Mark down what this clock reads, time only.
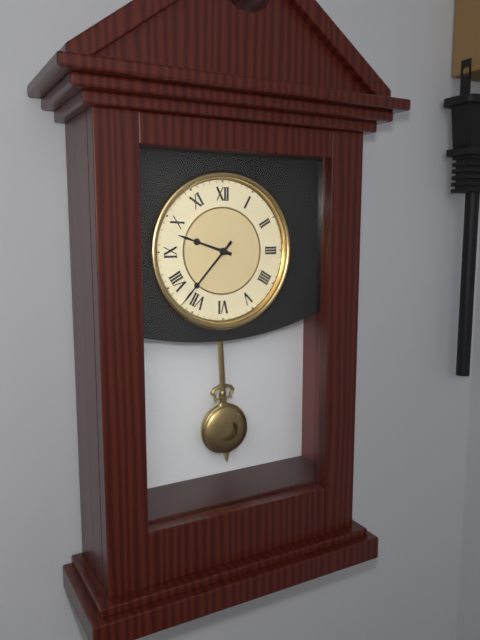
9:37
